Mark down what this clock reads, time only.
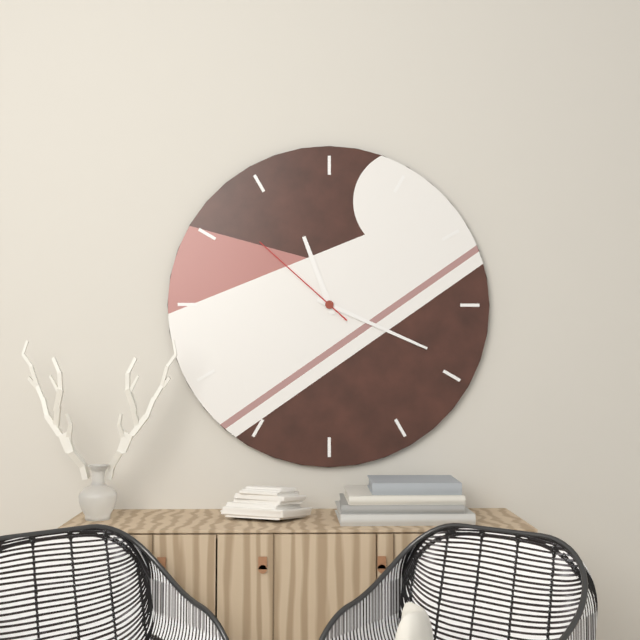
11:19:52
